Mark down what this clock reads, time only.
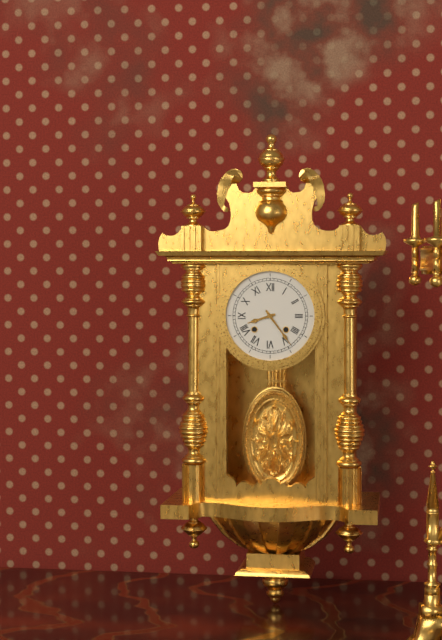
8:24
